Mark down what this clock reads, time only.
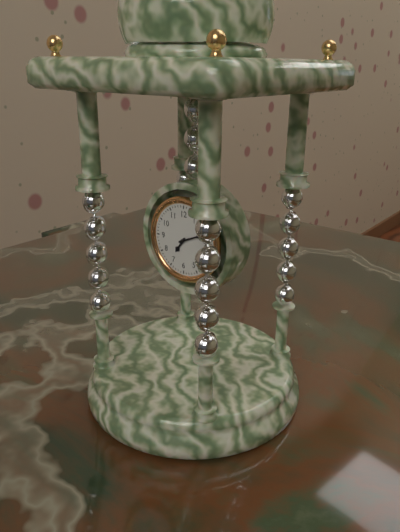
7:11
